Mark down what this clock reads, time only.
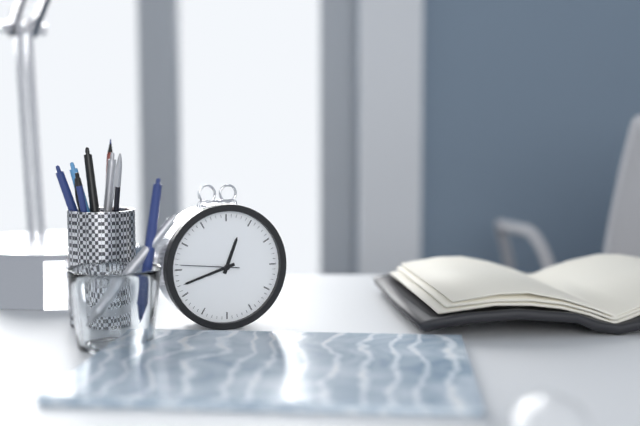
12:42:46
